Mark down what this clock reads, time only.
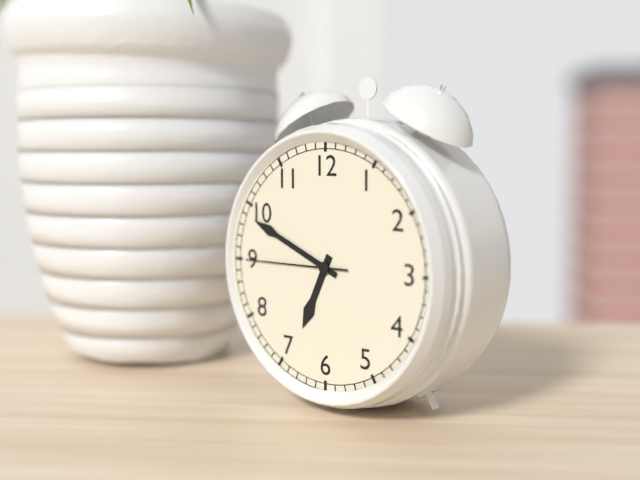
6:49:45
